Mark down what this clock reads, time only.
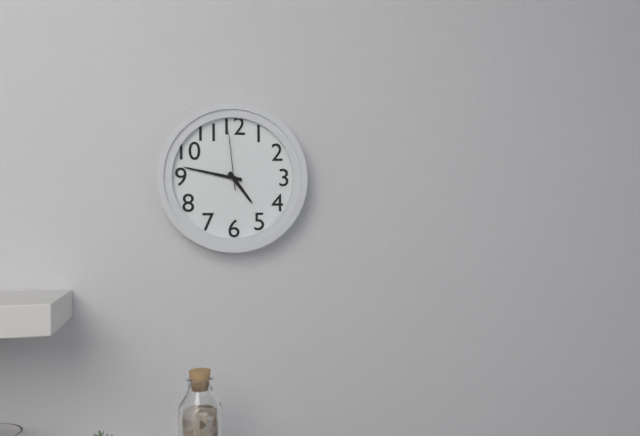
4:47:59
